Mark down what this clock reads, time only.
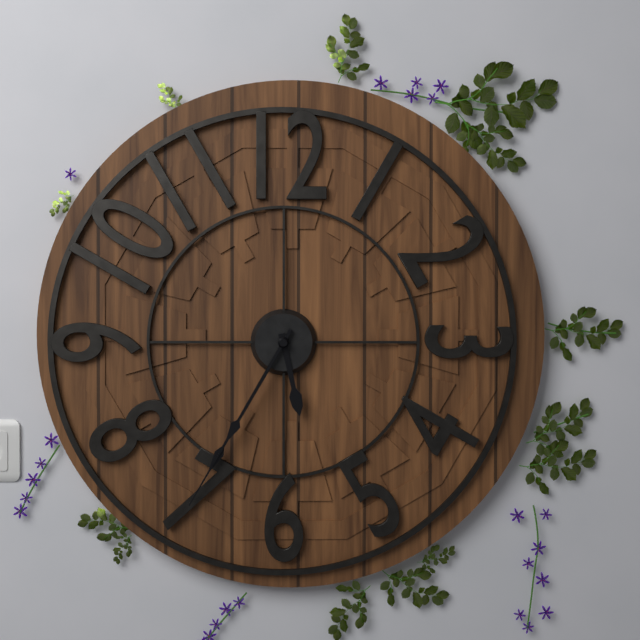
5:35:35
